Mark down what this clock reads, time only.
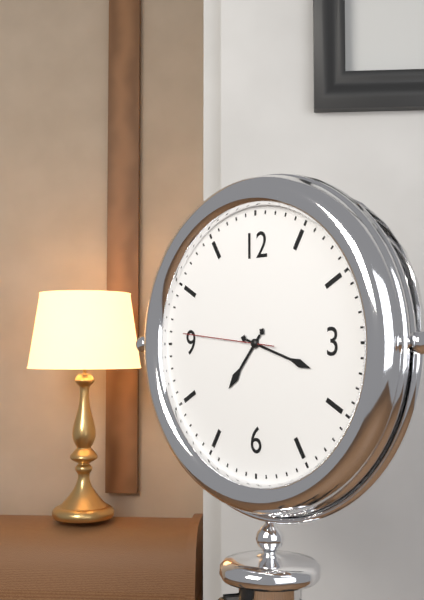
7:18:46
